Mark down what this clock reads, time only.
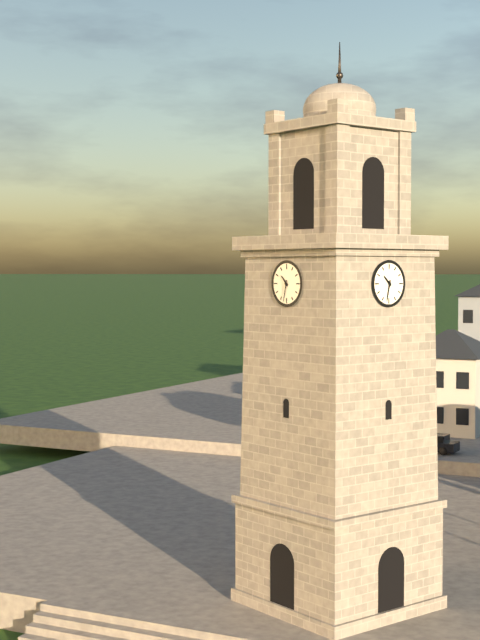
10:32
